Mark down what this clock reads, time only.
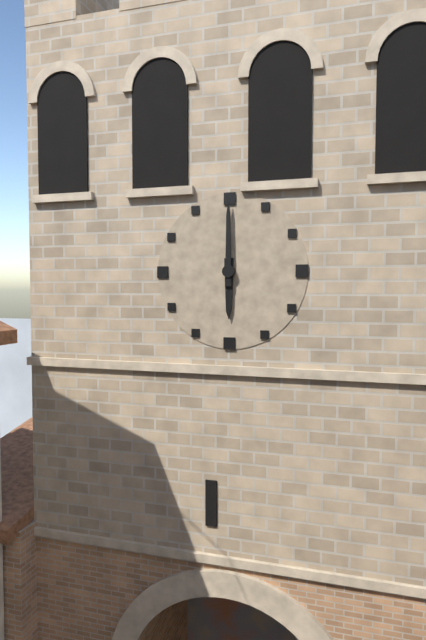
6:00
